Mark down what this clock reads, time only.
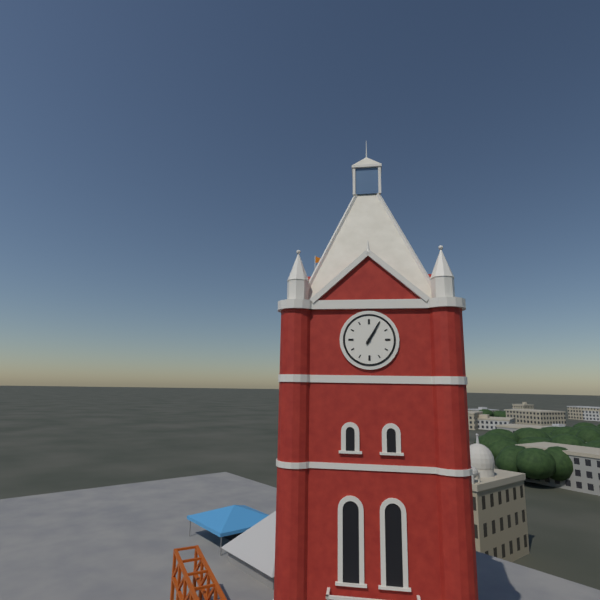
1:05
